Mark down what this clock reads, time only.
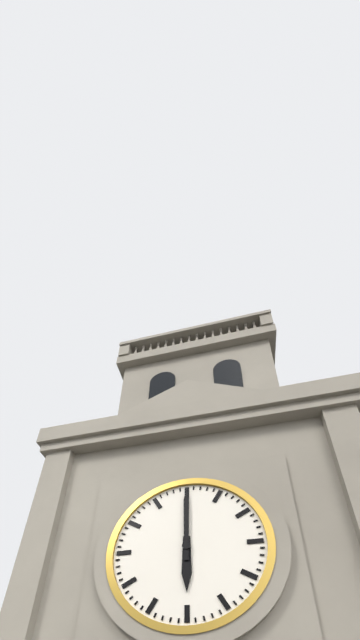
6:00
